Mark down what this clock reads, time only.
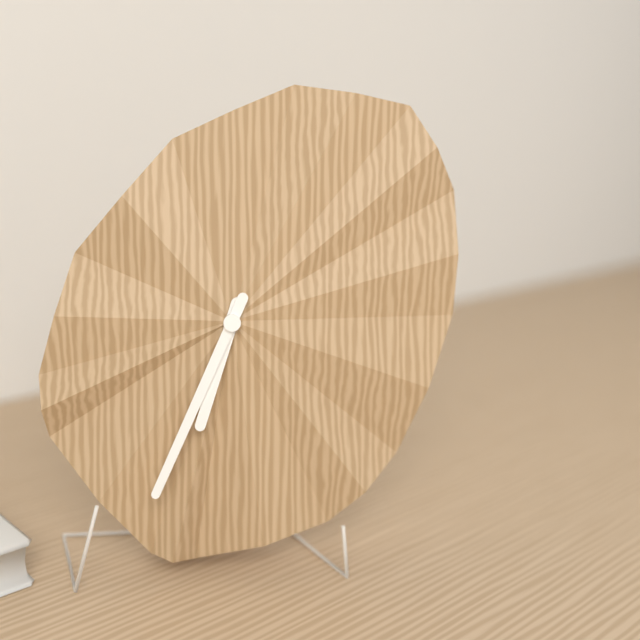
6:34
